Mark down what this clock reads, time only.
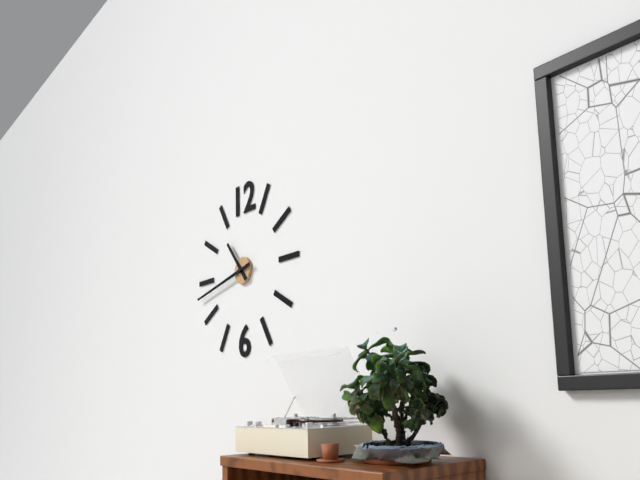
10:43
